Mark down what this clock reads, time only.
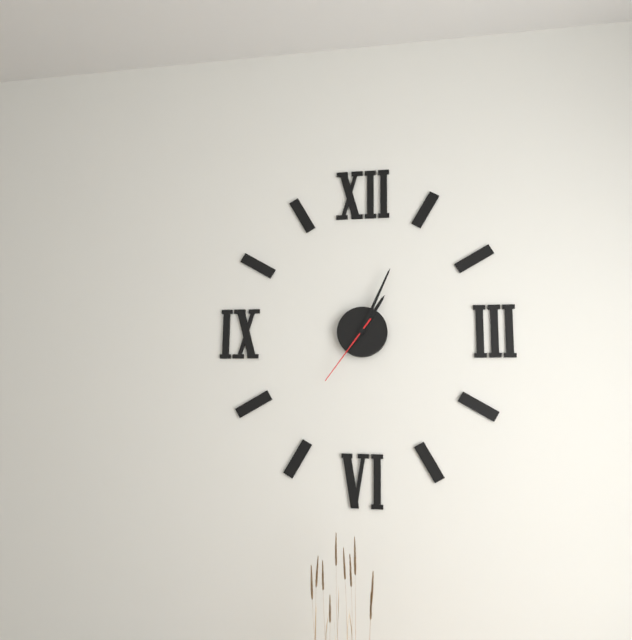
1:04:36
